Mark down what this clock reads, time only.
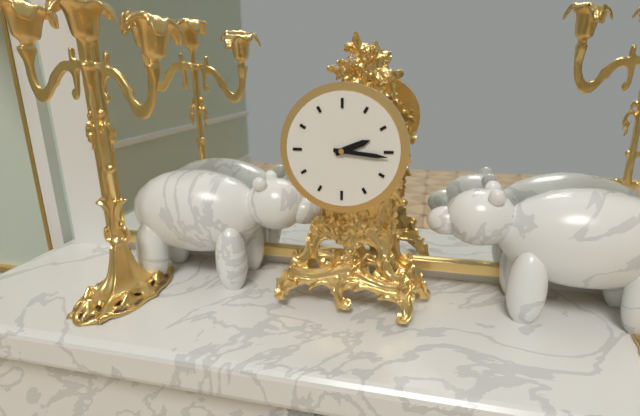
2:16
